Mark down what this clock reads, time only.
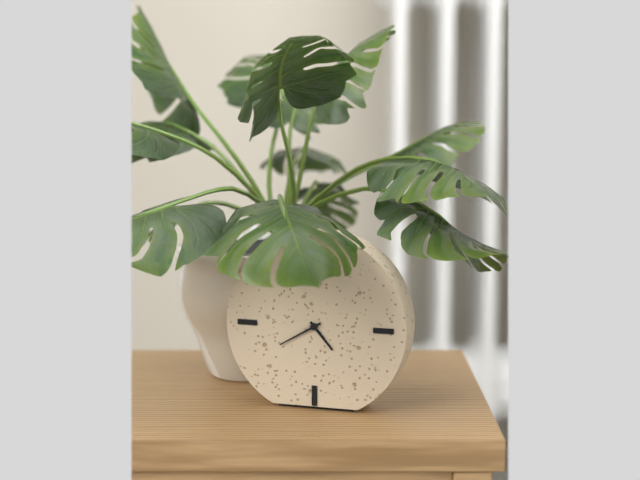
4:40
